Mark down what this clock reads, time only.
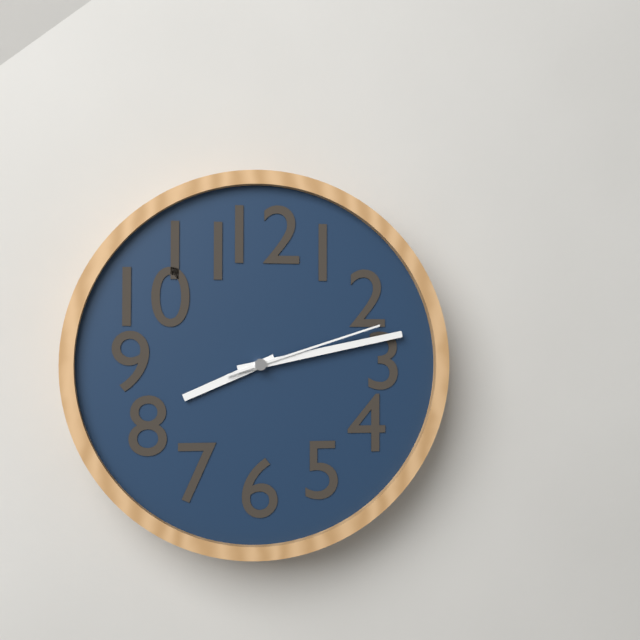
8:13:12
